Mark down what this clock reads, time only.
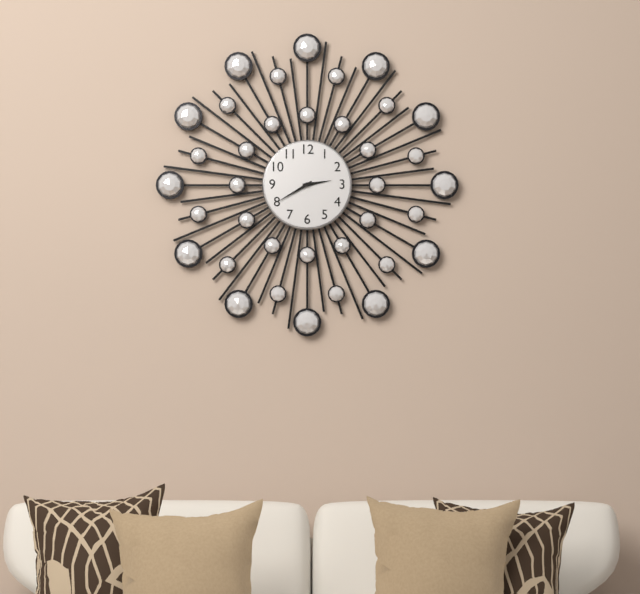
2:40
